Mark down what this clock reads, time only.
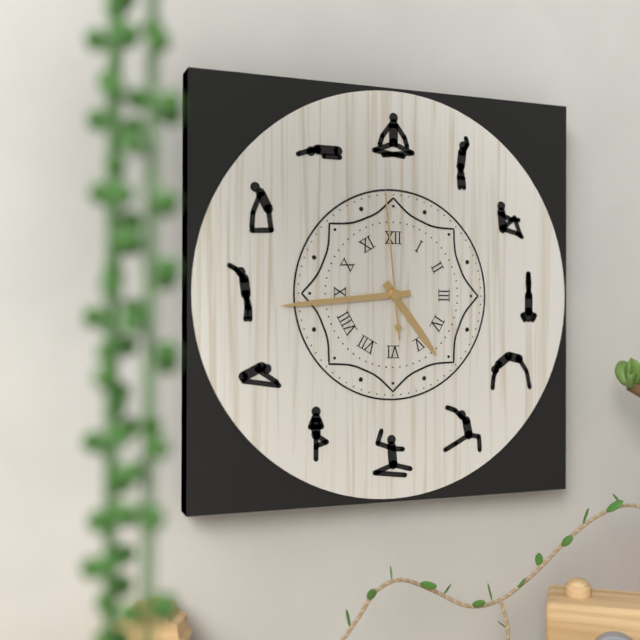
4:44:59
